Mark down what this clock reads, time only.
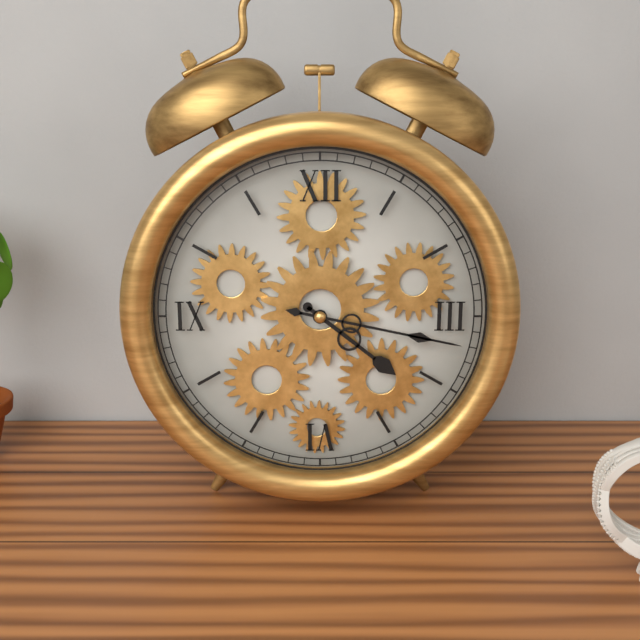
4:17
